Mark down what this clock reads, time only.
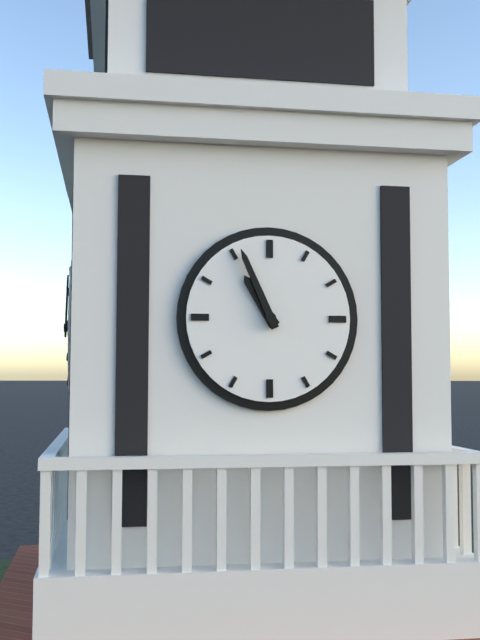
10:56
